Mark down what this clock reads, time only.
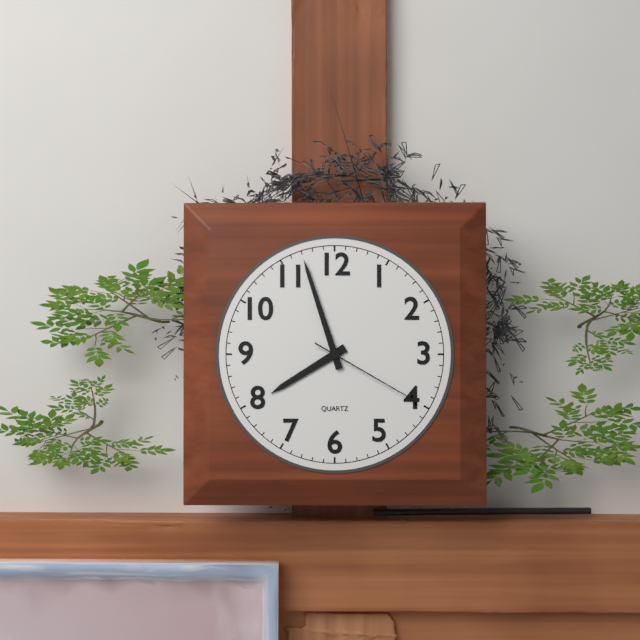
7:57:20
